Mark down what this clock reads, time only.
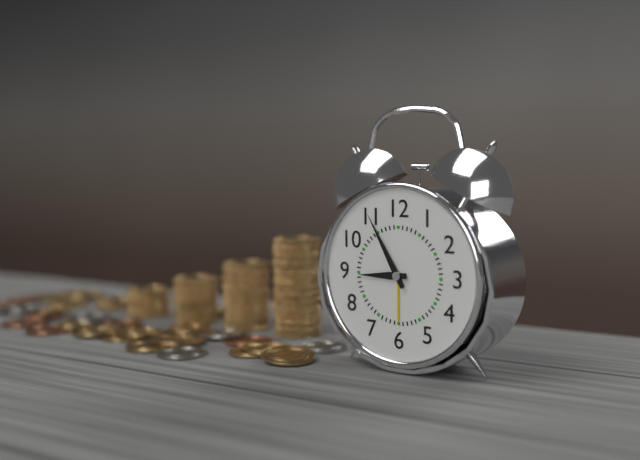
8:55
